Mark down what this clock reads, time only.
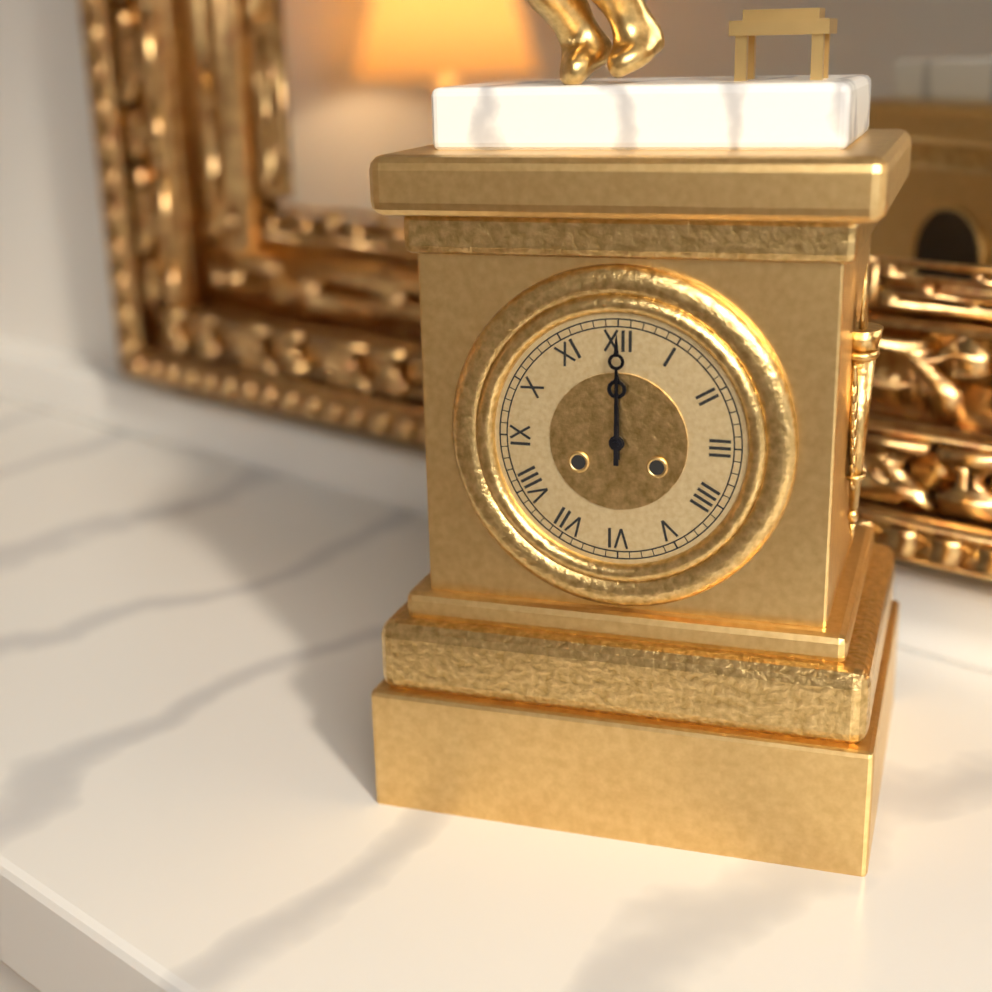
12:00
